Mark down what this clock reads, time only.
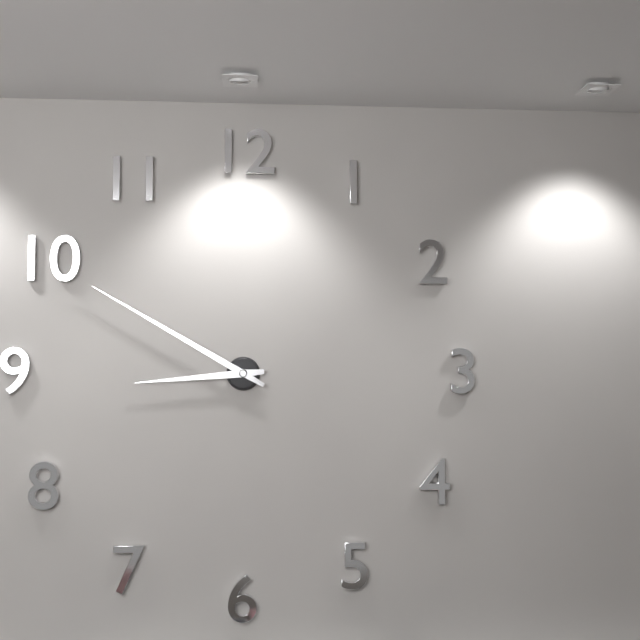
8:50
